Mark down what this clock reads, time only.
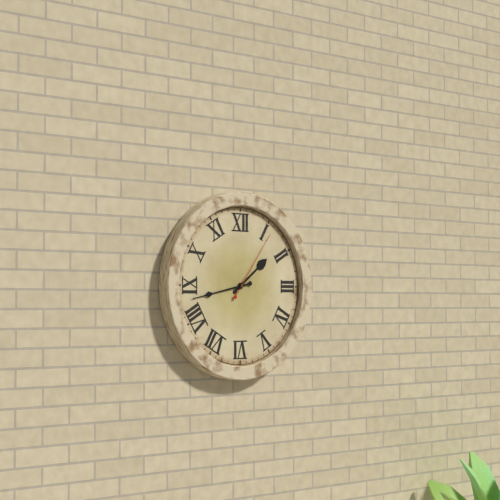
1:43:06
